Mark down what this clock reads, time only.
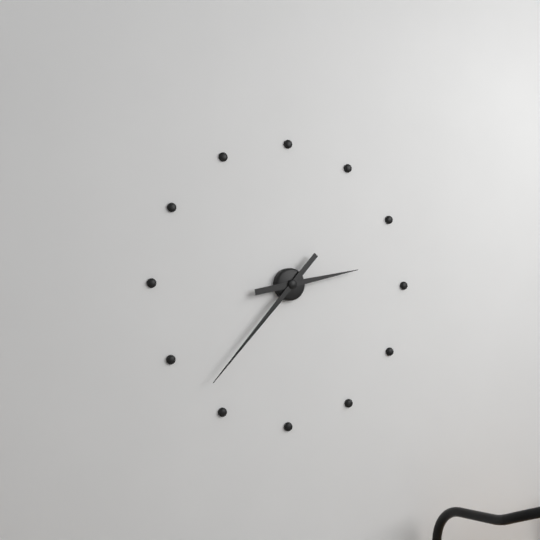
2:37
